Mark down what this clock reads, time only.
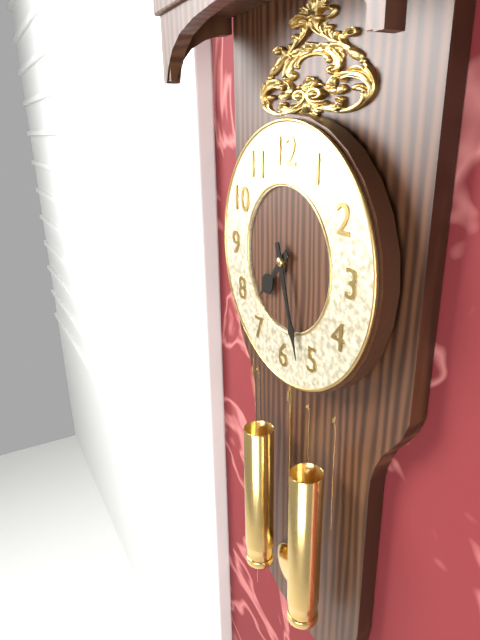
7:27
